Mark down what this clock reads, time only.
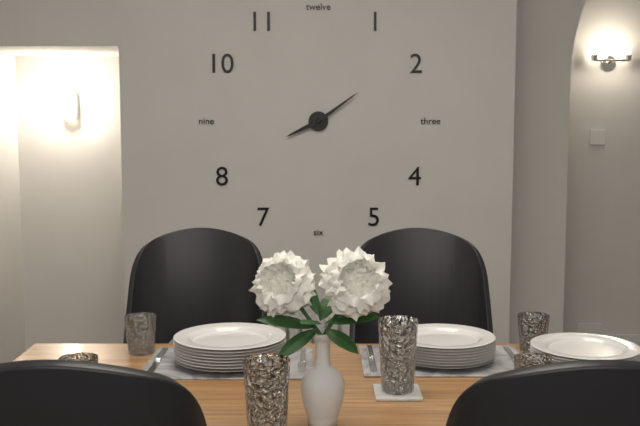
8:09
